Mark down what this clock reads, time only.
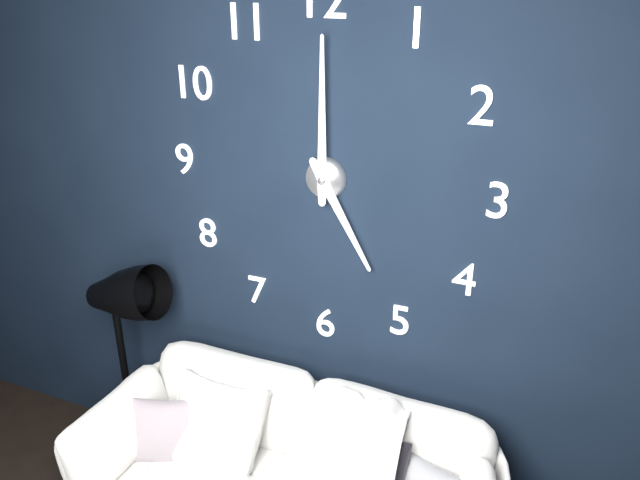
5:00
